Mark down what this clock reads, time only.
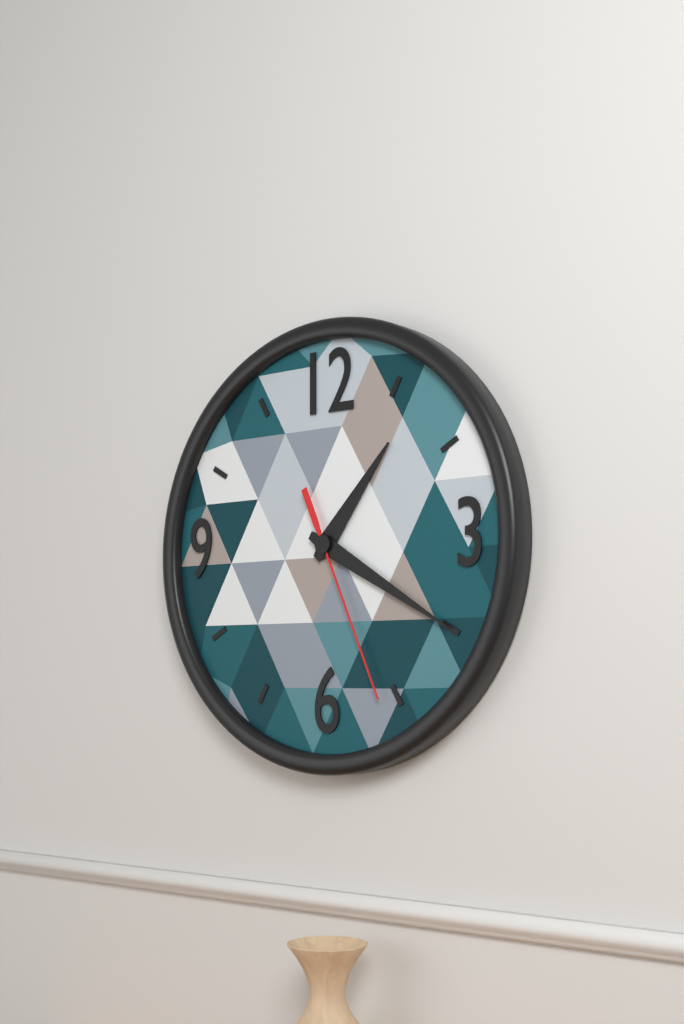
1:20:26
